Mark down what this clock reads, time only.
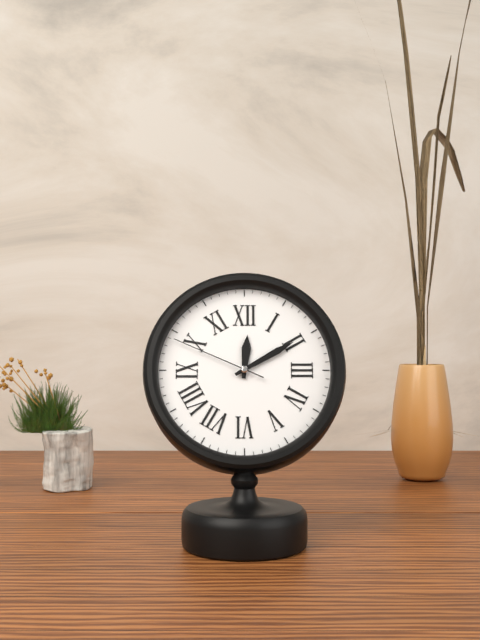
12:10:49
